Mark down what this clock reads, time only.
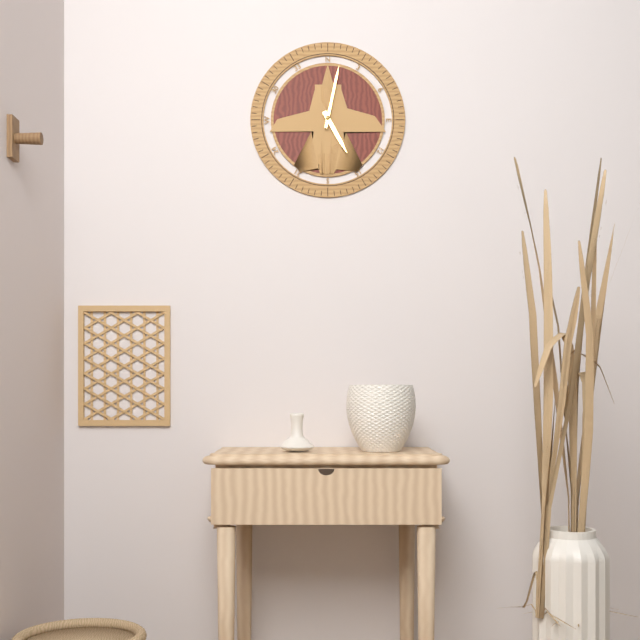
5:02
